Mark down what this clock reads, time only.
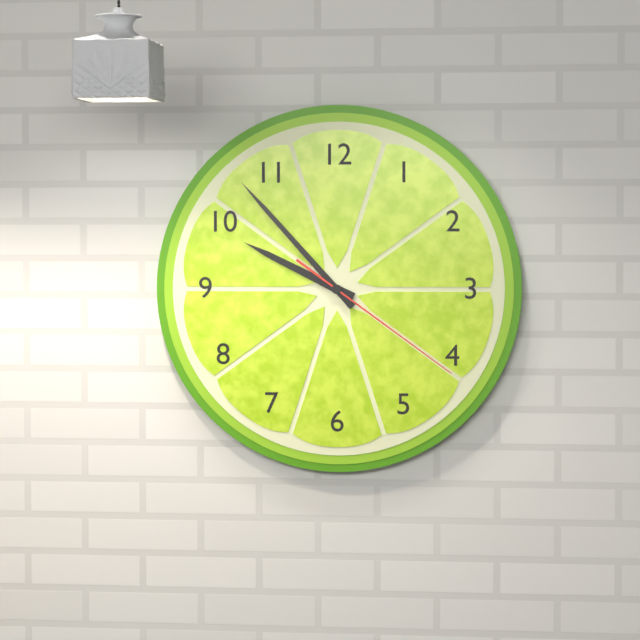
9:53:21
